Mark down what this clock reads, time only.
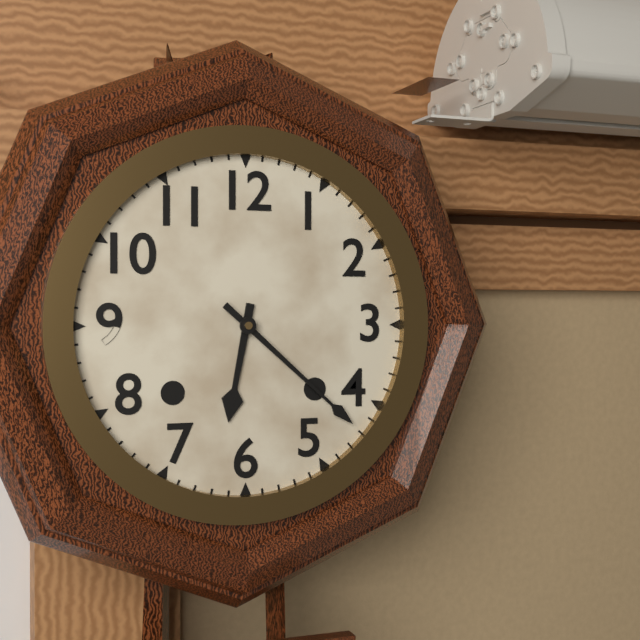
6:22
